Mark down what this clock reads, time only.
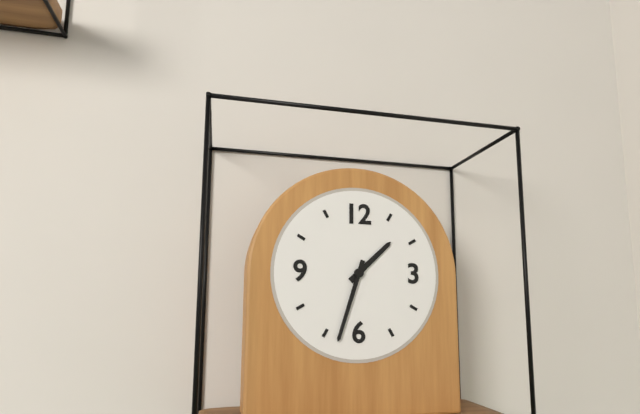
1:33
